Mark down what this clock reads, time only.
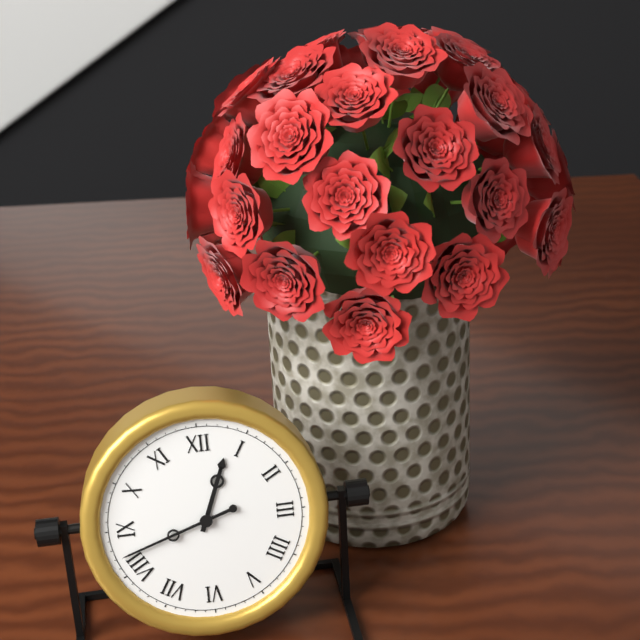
12:42
